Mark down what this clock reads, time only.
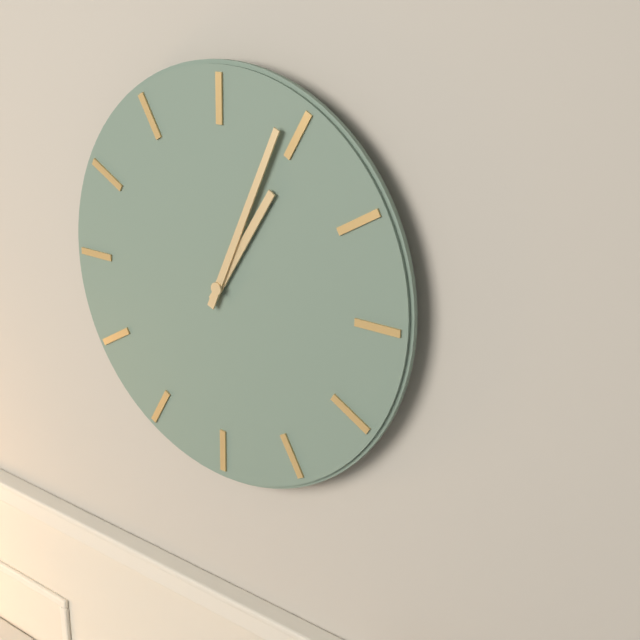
1:04
